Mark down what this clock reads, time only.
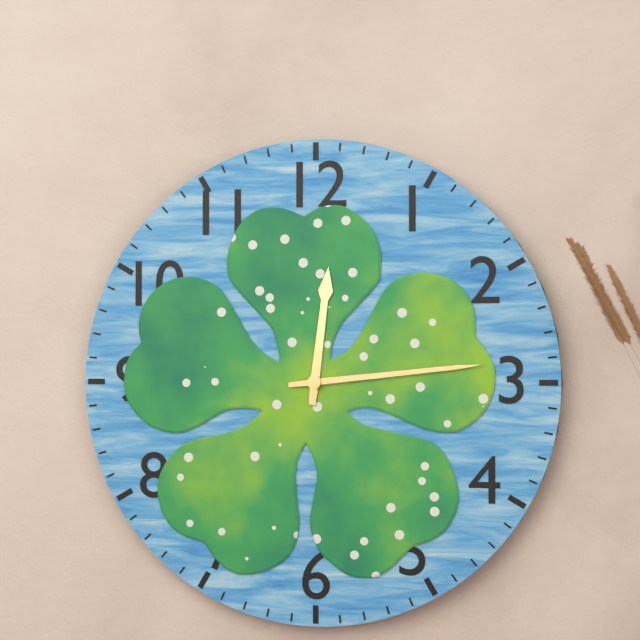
12:14
